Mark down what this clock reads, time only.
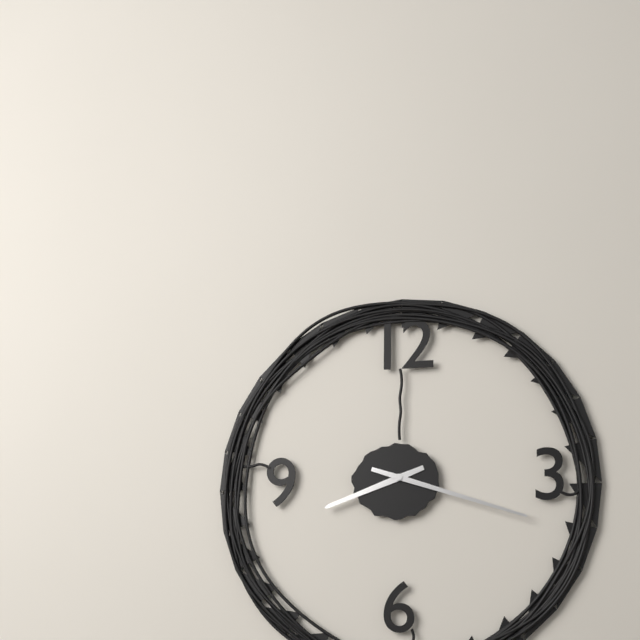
8:18
